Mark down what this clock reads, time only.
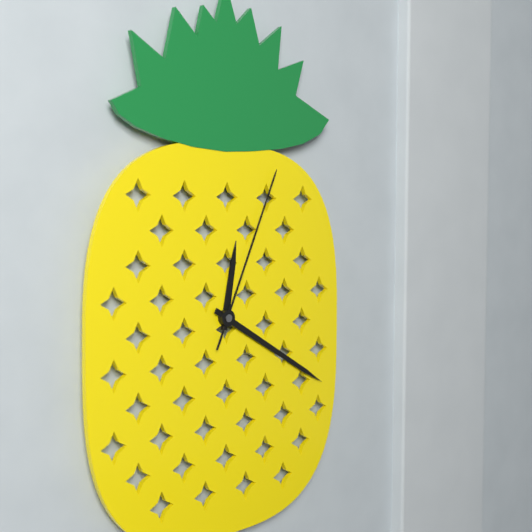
12:20:04
